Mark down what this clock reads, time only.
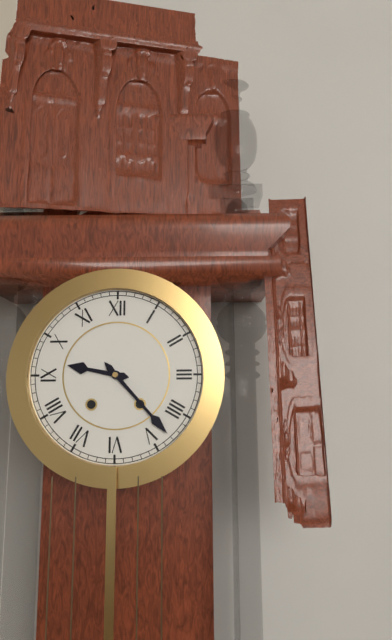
9:23
